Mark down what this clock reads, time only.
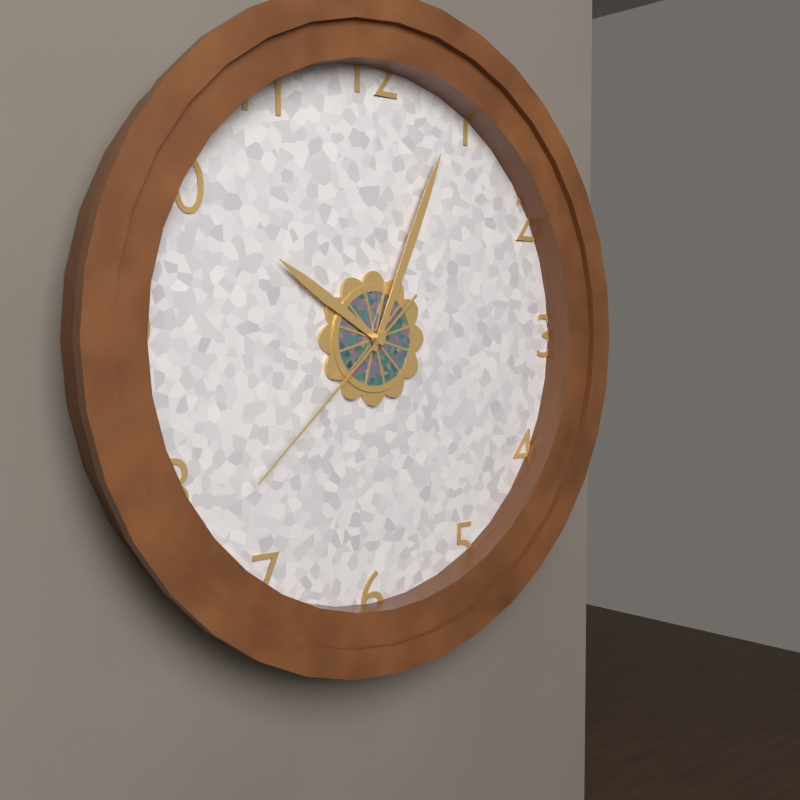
10:04:38
